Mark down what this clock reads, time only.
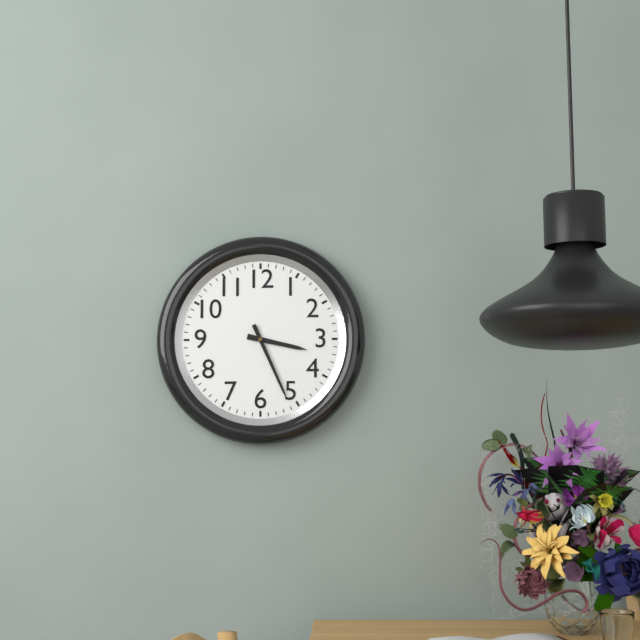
3:26
